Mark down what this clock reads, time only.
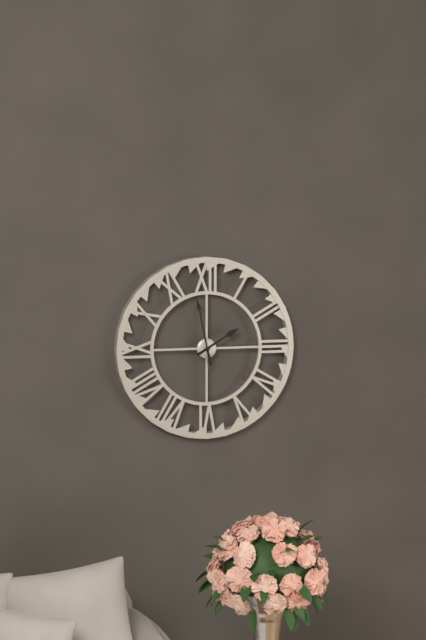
1:58
